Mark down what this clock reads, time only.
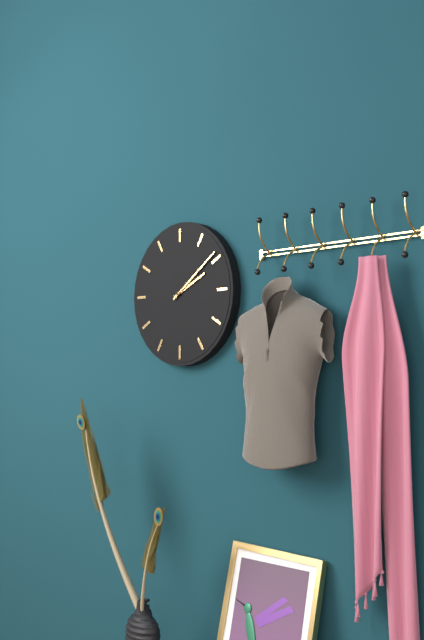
2:09
